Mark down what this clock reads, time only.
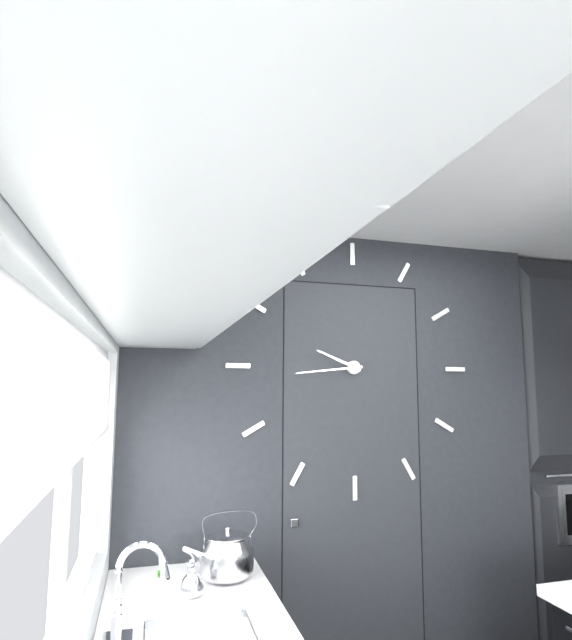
9:44
